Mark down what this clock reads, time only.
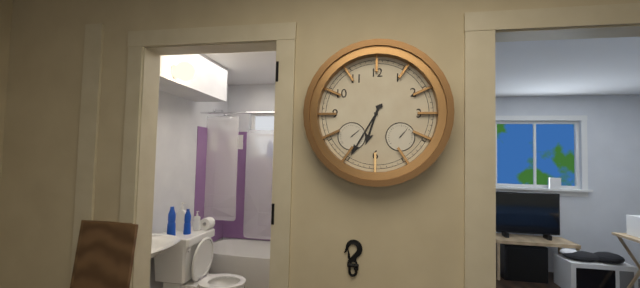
6:35
